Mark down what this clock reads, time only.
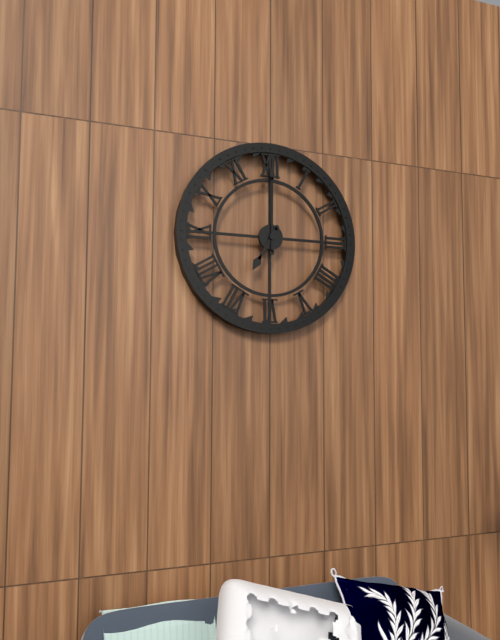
7:00
